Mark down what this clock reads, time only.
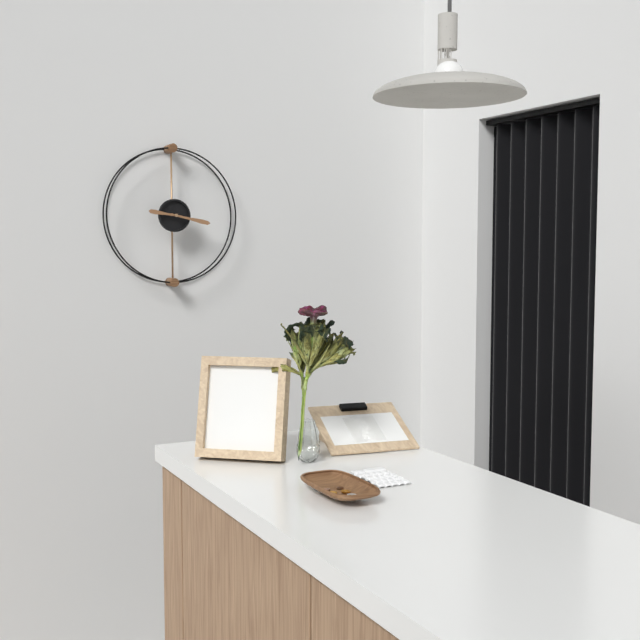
9:17
